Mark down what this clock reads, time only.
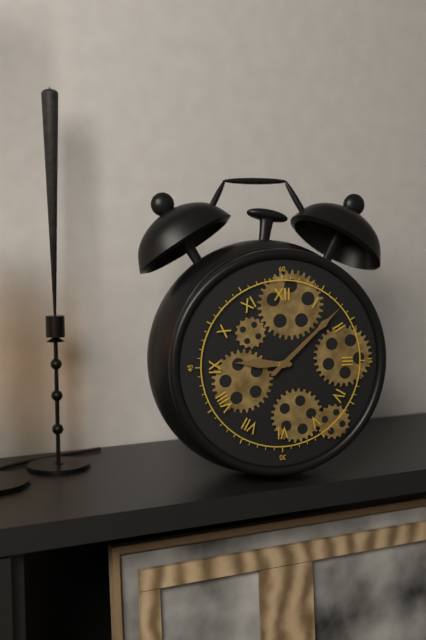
9:08
